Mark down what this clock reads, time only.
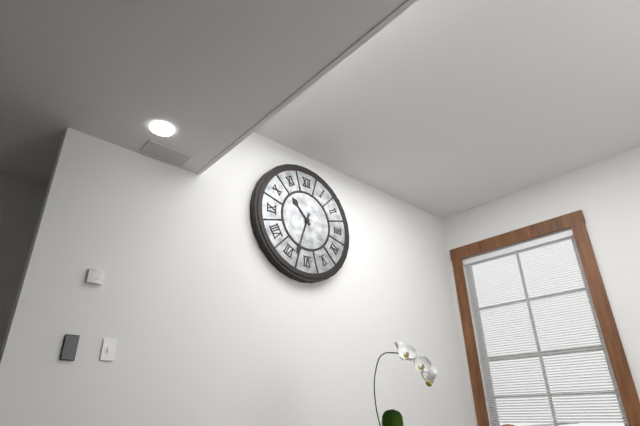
10:33
